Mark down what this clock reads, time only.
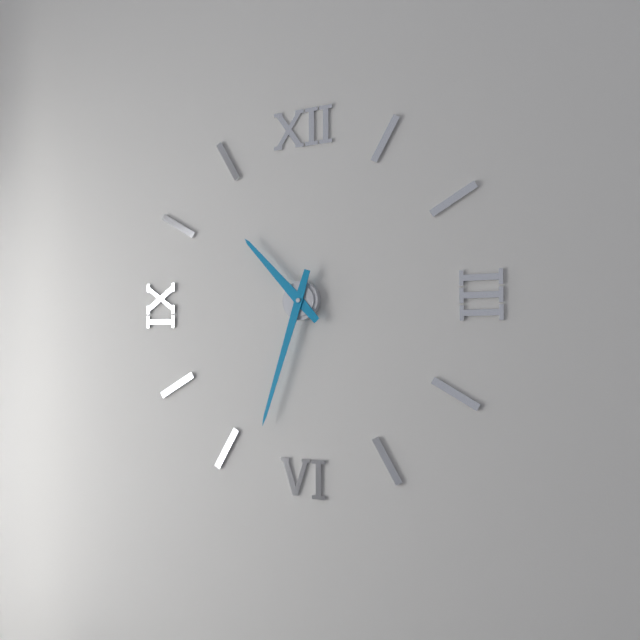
10:33
